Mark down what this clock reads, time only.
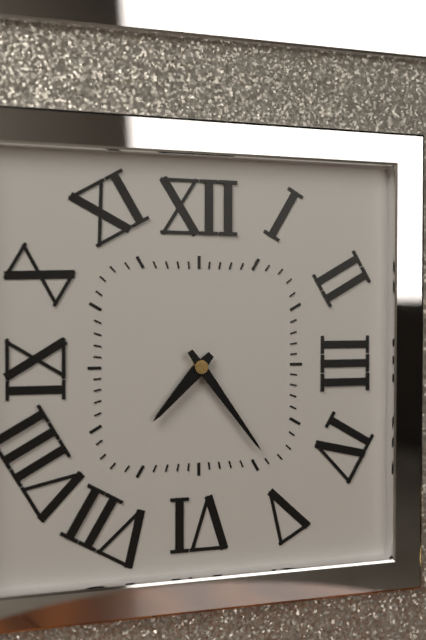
7:24
